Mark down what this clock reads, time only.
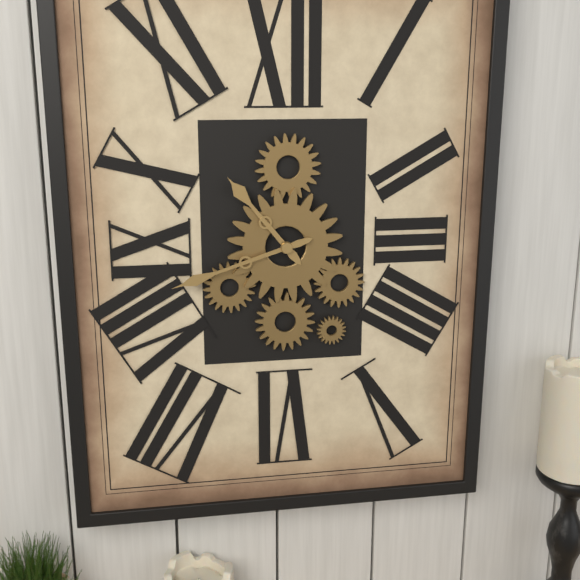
10:42
